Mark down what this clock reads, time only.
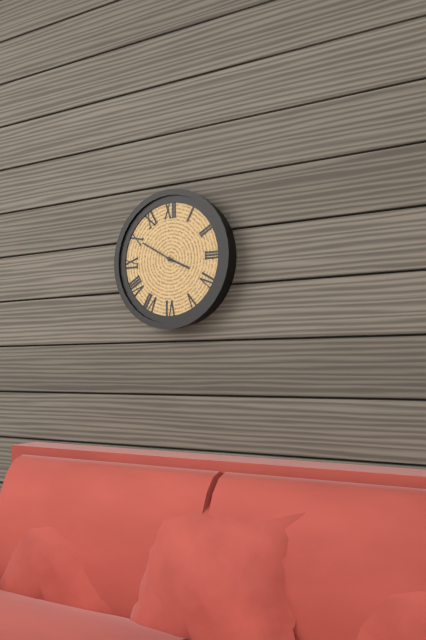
3:50
